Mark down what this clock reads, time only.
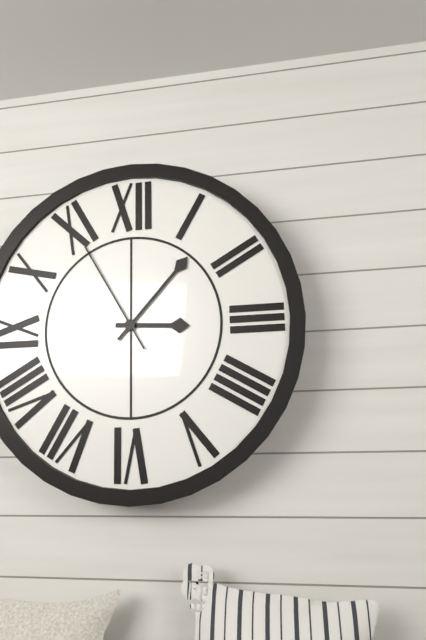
3:07:55
